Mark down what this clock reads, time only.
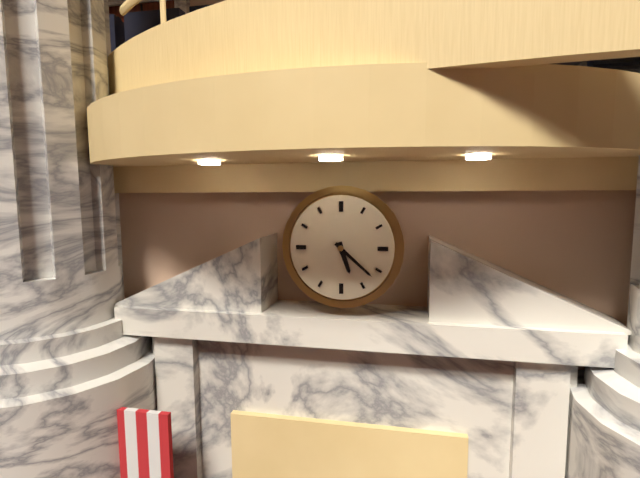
5:22
